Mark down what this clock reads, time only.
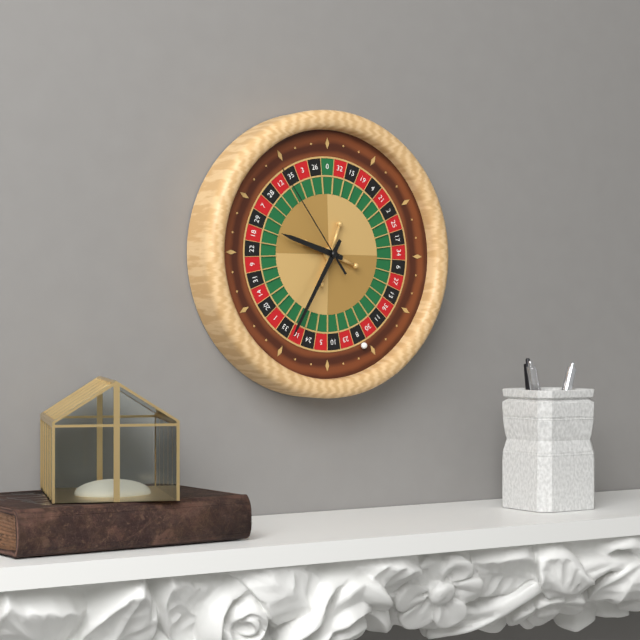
9:35:54
